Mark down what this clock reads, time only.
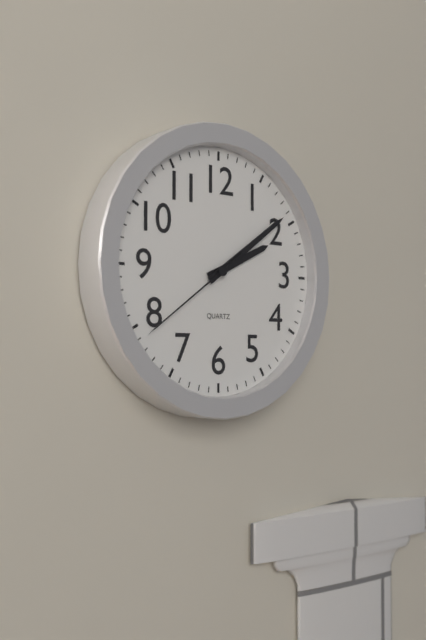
2:09:39
